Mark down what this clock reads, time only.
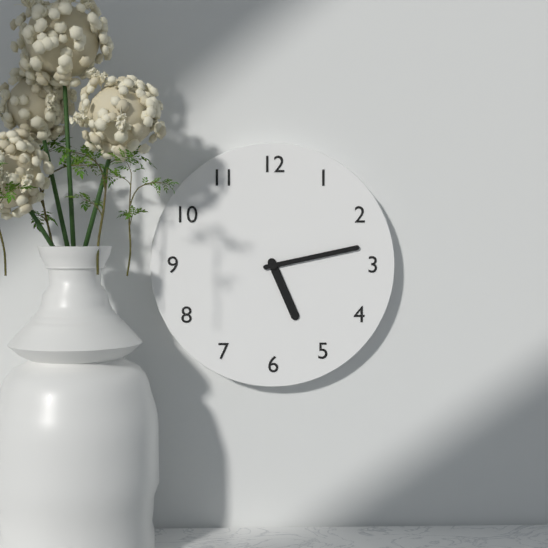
5:13
